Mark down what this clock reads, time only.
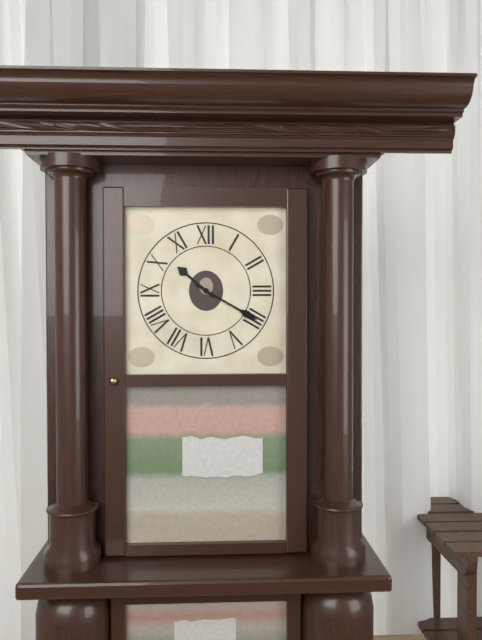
10:20
